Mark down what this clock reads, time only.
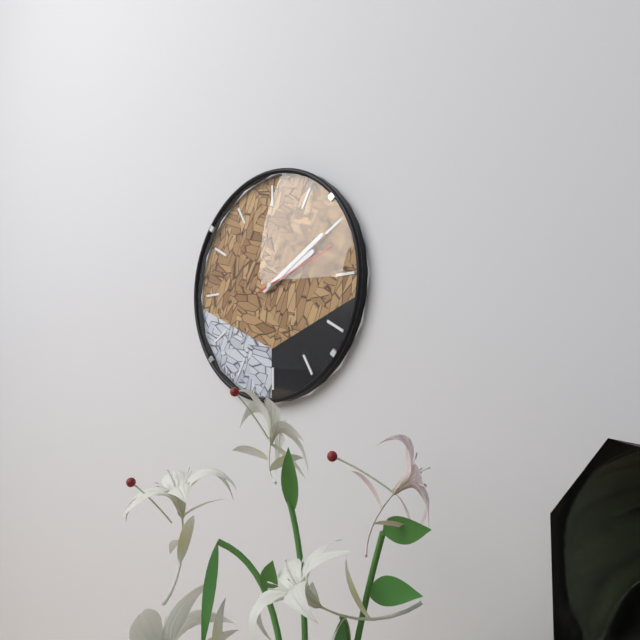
2:10:12
